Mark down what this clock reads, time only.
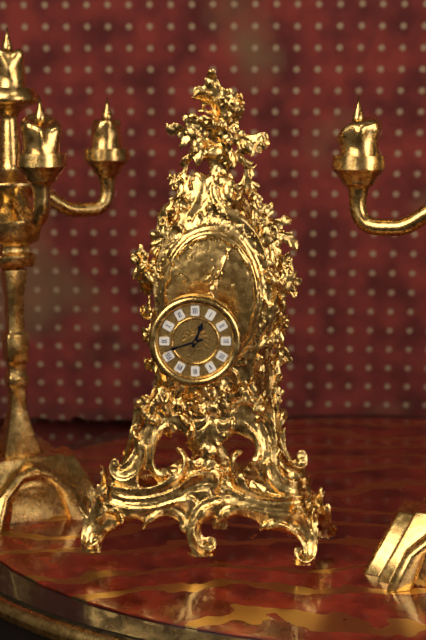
12:42
